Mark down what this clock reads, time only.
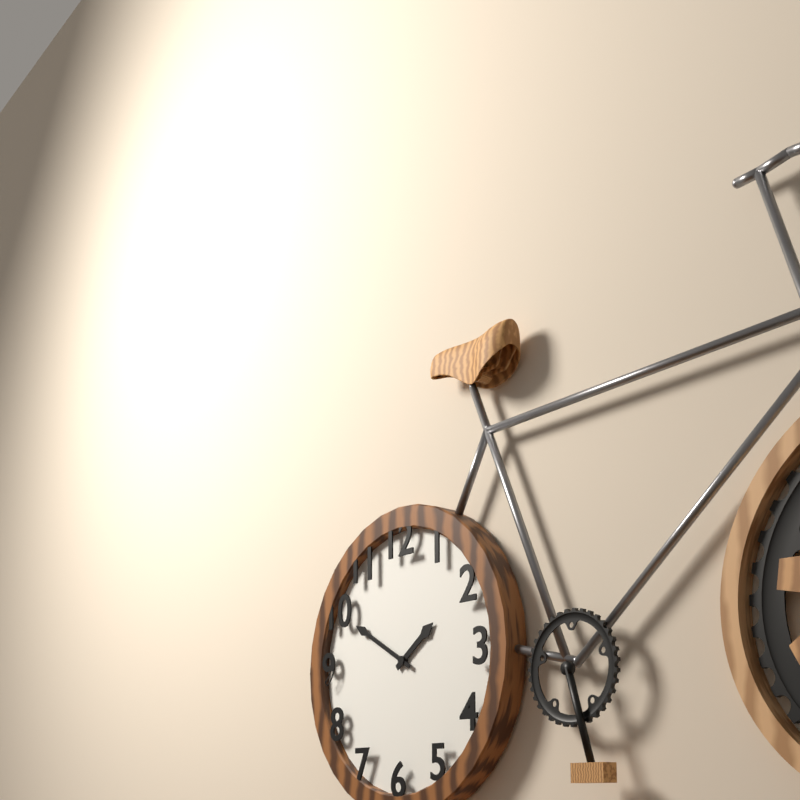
1:50
